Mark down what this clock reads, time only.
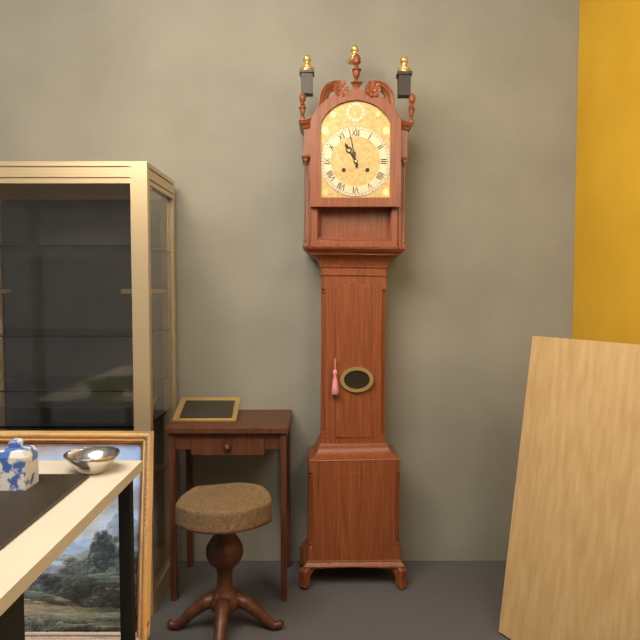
10:58
